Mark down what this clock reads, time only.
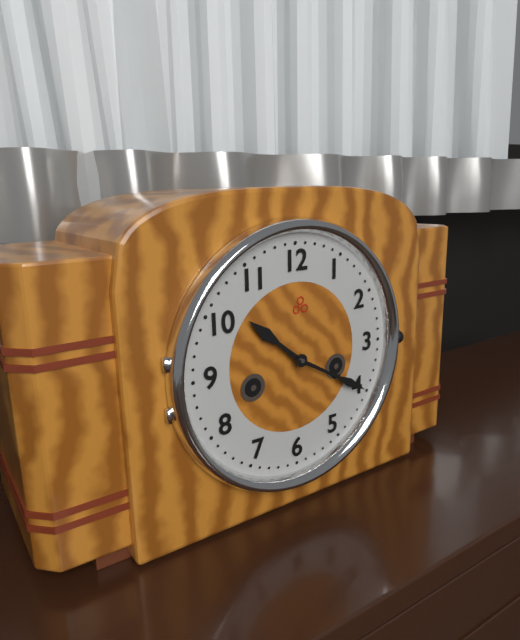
10:20
